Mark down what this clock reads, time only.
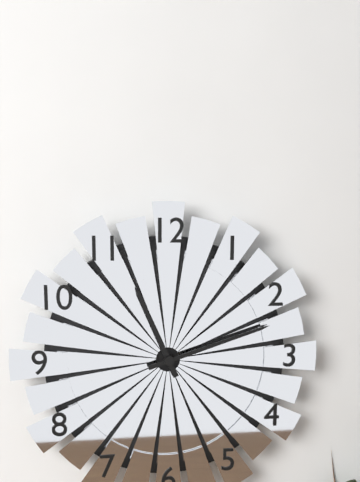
11:12
